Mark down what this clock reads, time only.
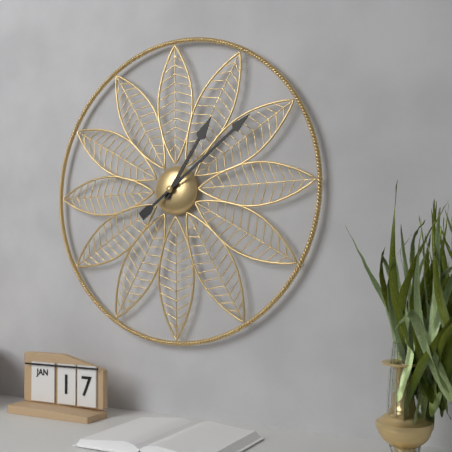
1:09
